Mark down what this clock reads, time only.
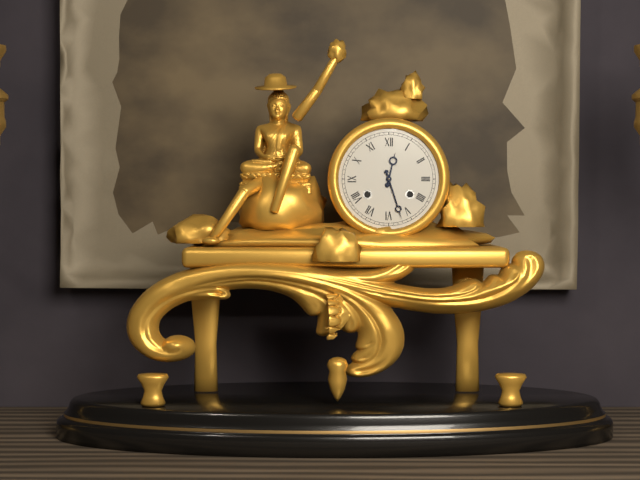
12:27
